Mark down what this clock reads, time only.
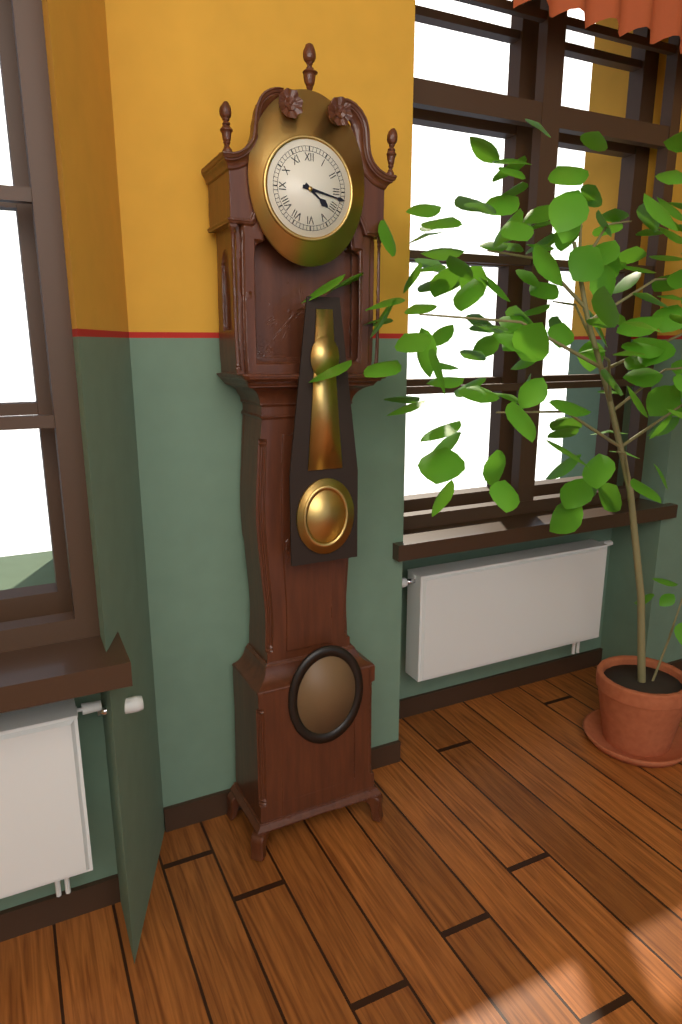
4:17
